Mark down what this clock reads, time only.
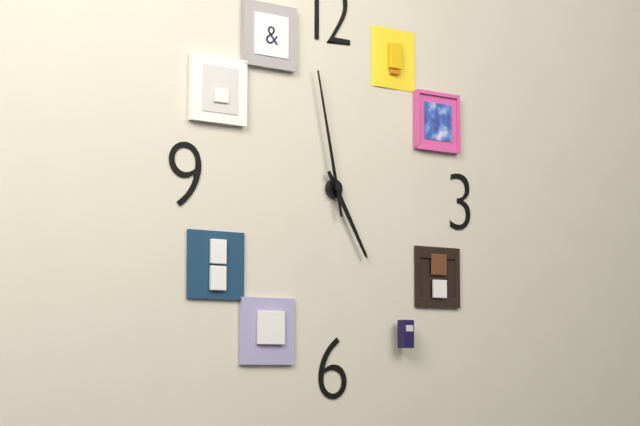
4:58
